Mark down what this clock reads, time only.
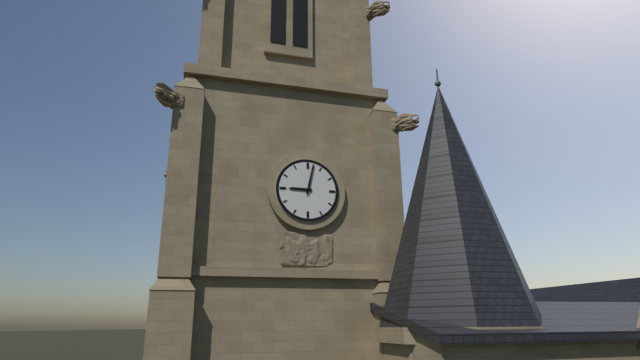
9:02
